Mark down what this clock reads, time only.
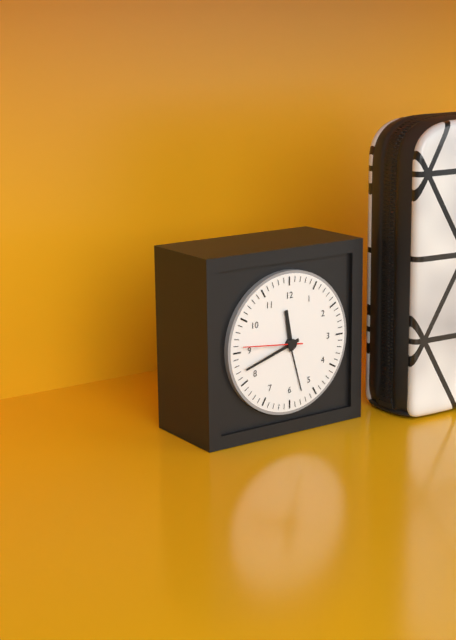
11:42:46
